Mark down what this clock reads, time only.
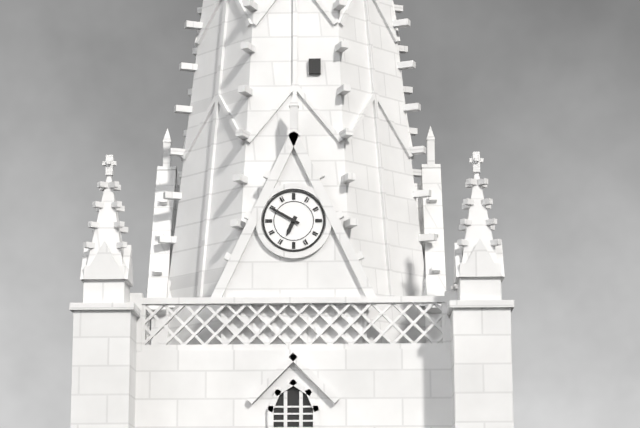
6:50
